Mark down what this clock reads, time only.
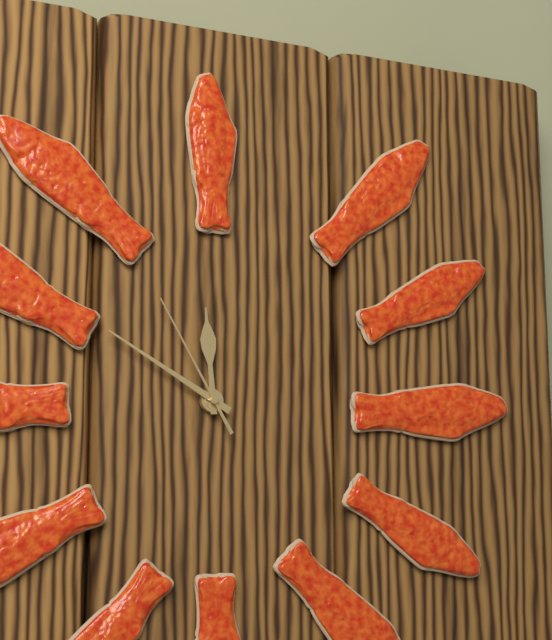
11:50:55
